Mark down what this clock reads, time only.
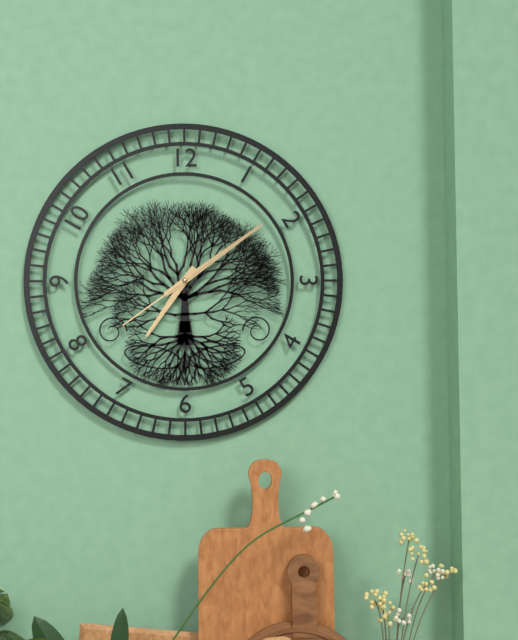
7:09:39
